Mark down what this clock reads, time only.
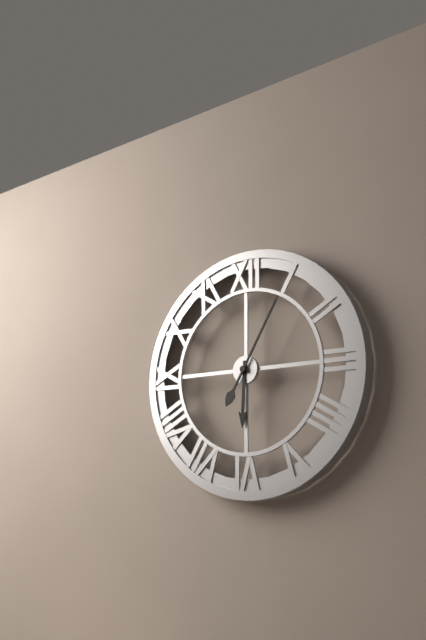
6:05
